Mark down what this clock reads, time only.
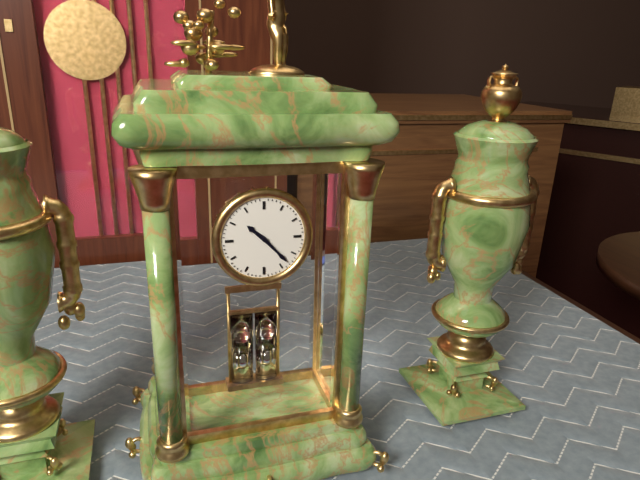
10:23
